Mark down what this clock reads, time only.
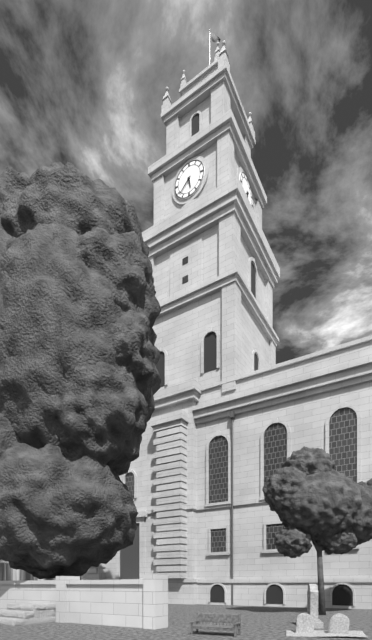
5:38
